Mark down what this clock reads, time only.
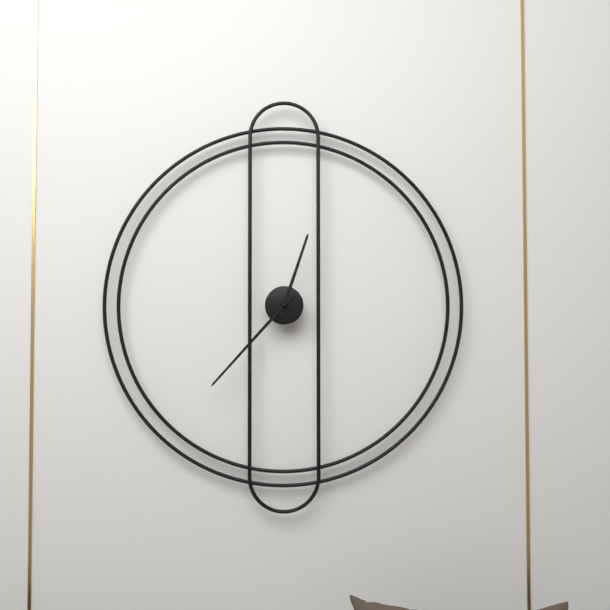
12:37
